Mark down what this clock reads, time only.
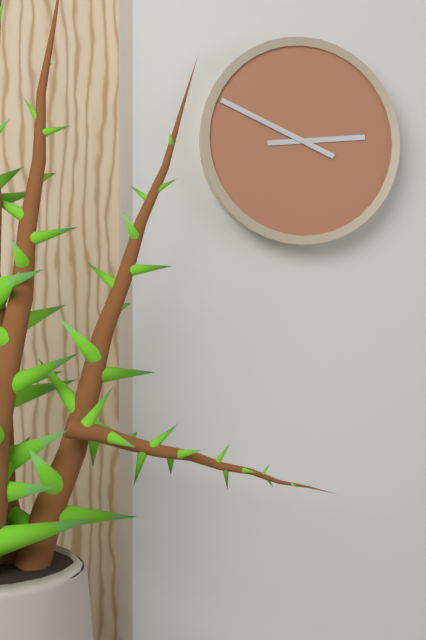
2:49
